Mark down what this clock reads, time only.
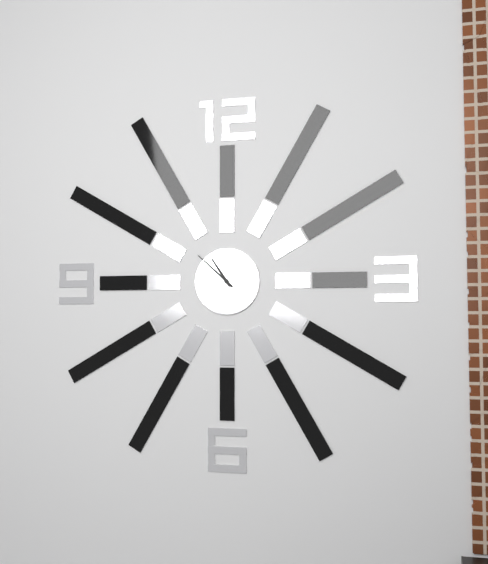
10:52
